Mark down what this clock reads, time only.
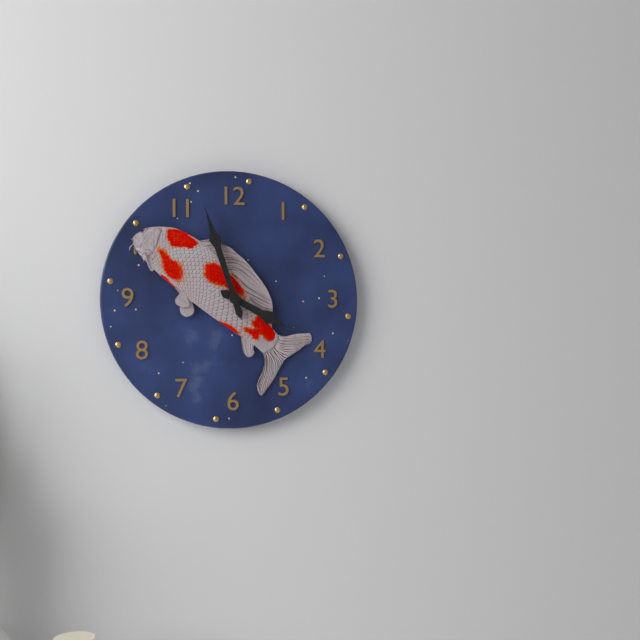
3:57
